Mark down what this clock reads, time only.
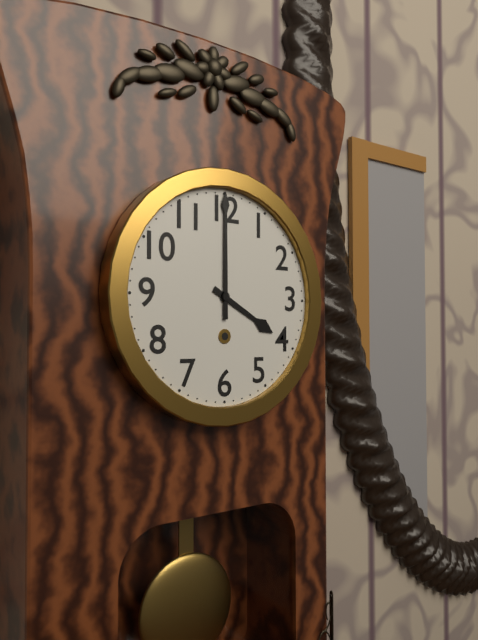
4:00
